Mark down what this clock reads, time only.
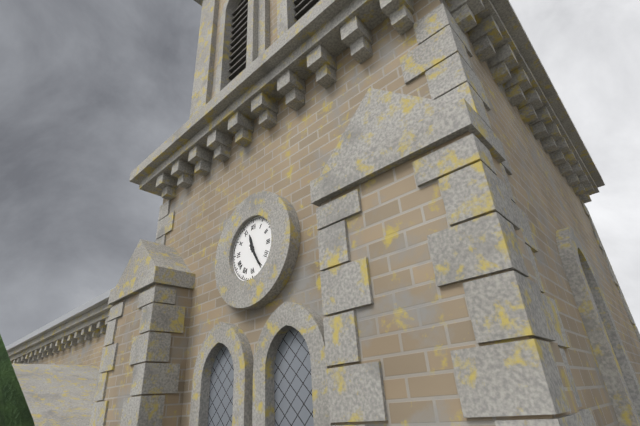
11:25
